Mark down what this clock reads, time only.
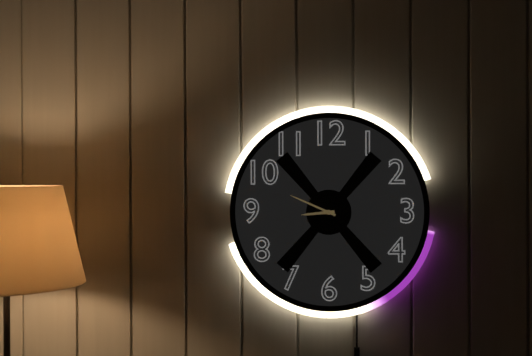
8:49
